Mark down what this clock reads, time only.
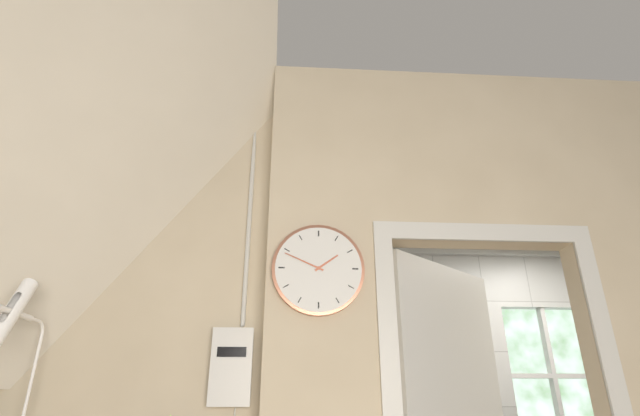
1:49
